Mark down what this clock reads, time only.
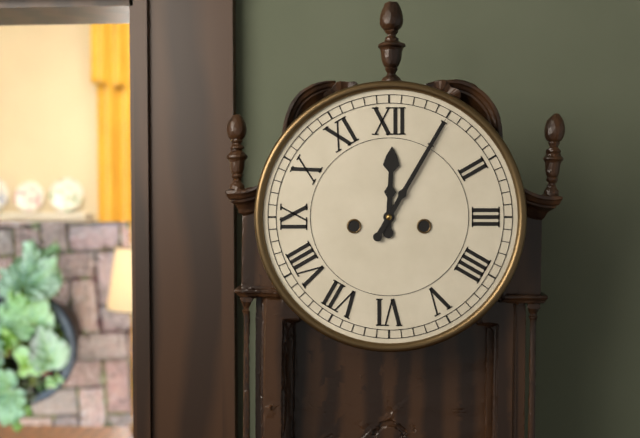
12:05
